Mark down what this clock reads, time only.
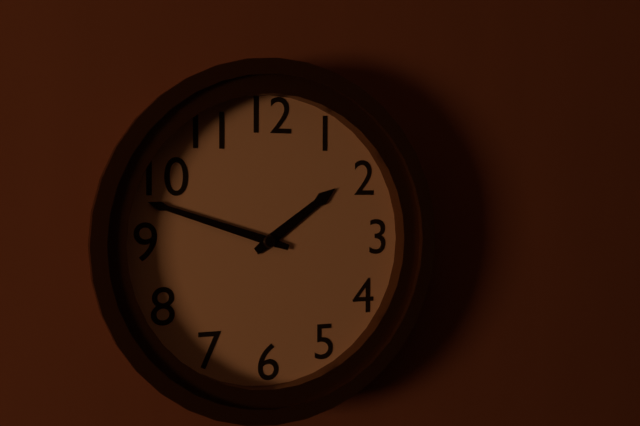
1:48
